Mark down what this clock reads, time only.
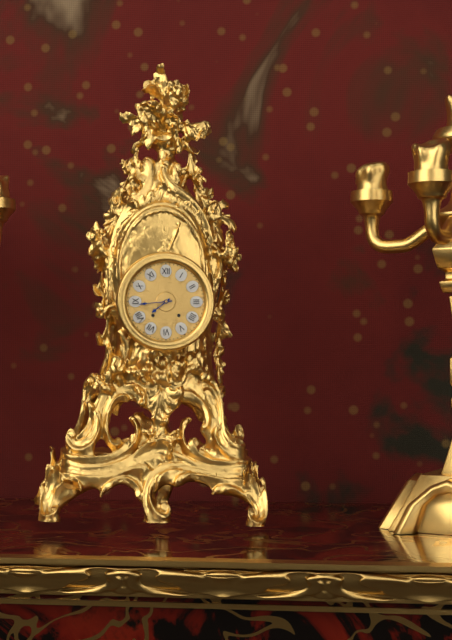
7:44
